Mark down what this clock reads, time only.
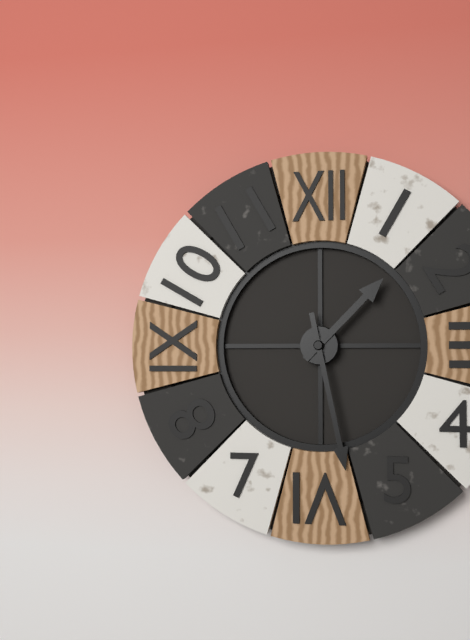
1:28
